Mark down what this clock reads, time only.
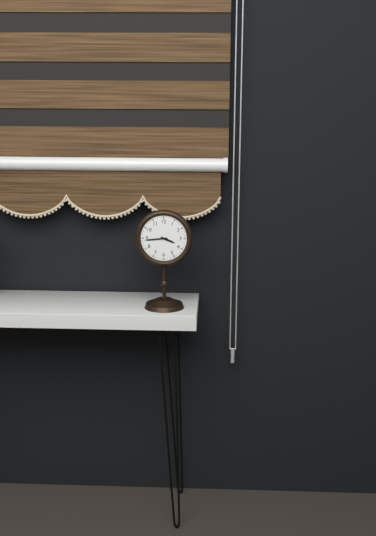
3:44
